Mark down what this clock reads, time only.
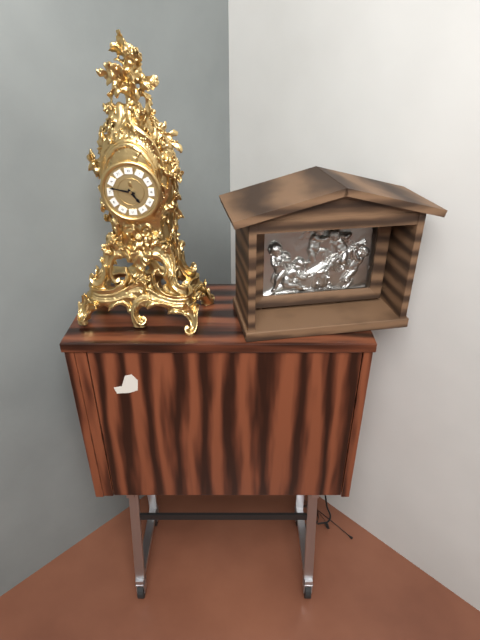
4:47
